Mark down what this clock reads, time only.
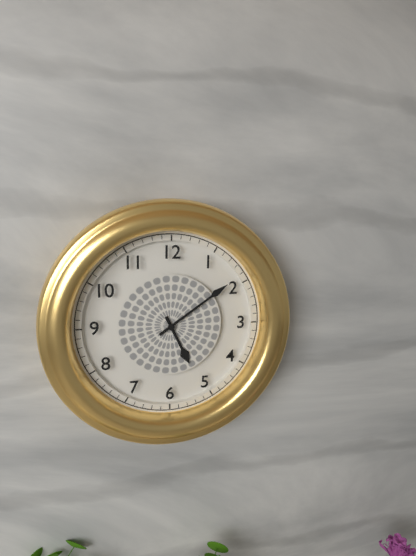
5:09
